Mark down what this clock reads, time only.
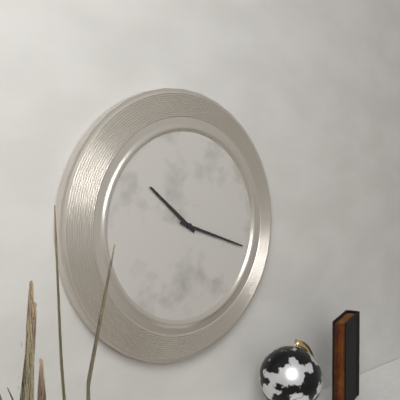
10:18
